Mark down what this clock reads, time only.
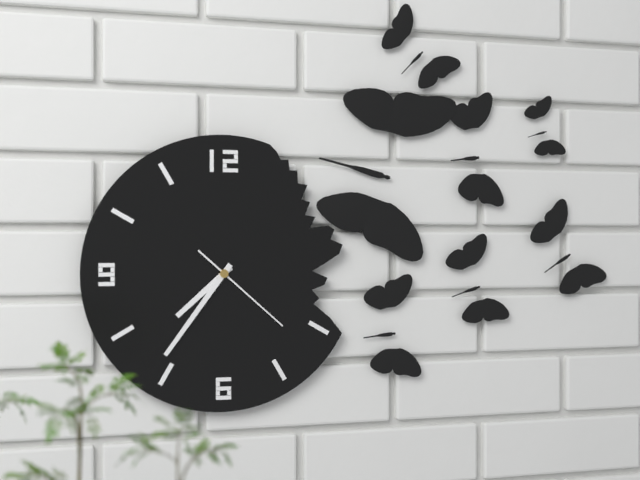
7:36:22
